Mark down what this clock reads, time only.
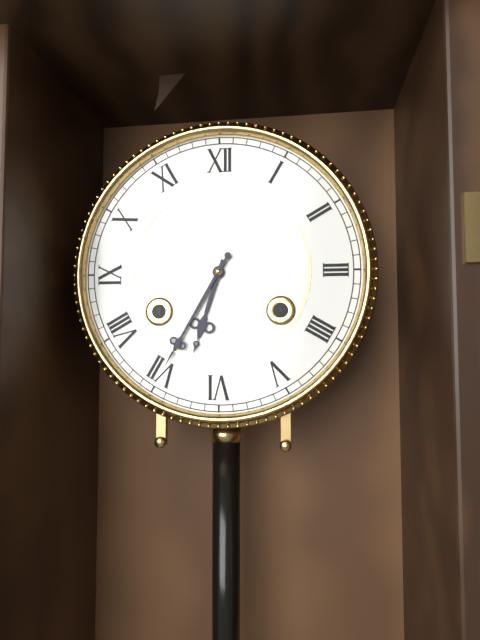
6:35
